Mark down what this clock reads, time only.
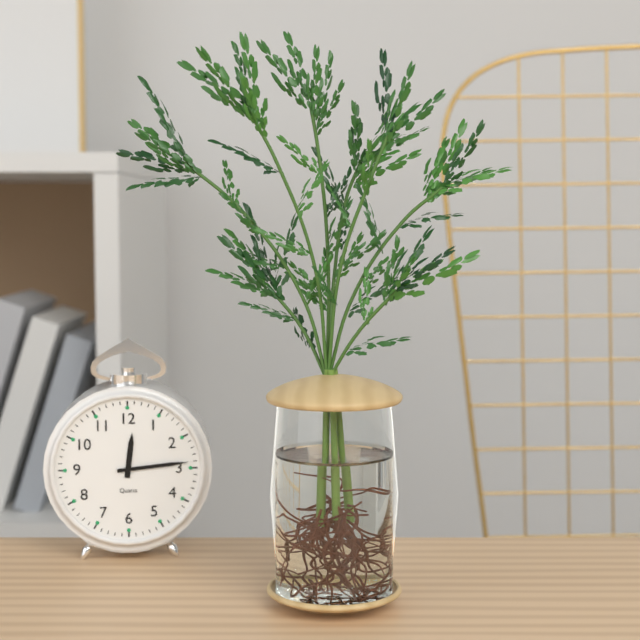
12:14
